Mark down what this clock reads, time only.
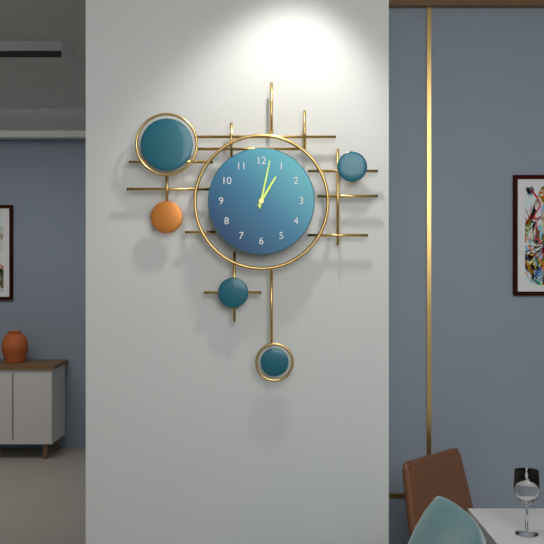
1:02
